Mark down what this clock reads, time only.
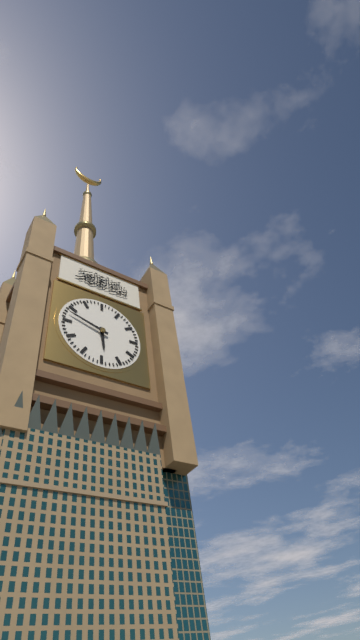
5:48
